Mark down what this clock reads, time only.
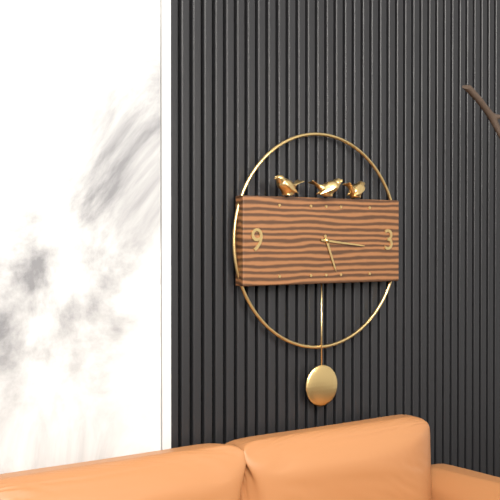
5:16
